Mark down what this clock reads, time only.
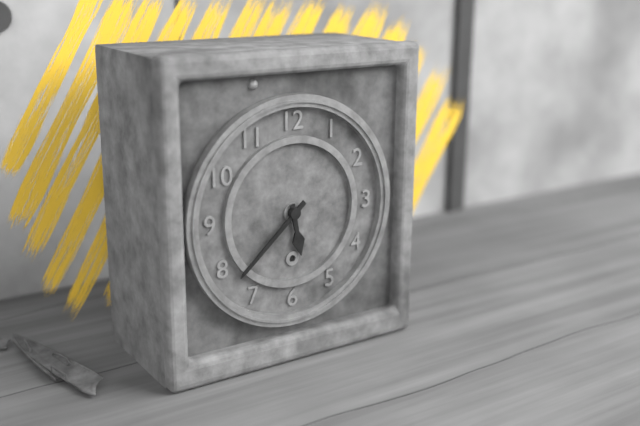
5:38
